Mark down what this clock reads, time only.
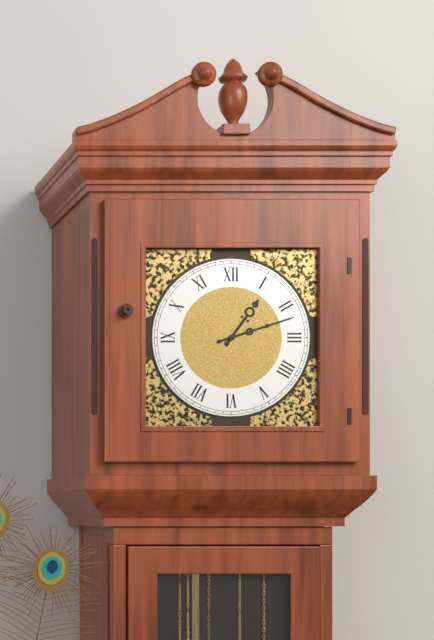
1:12
